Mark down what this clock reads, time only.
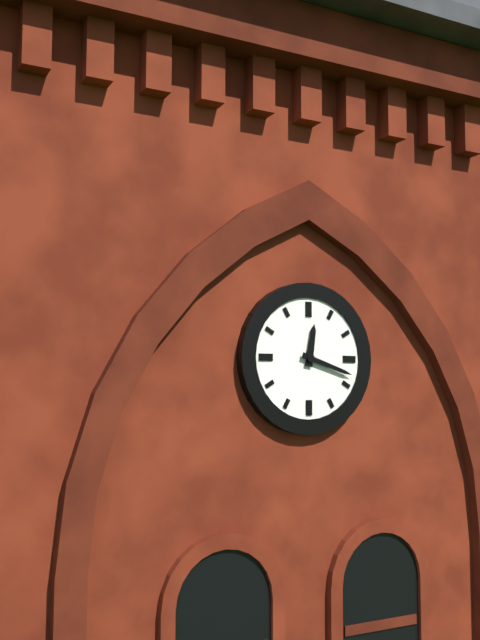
12:18
